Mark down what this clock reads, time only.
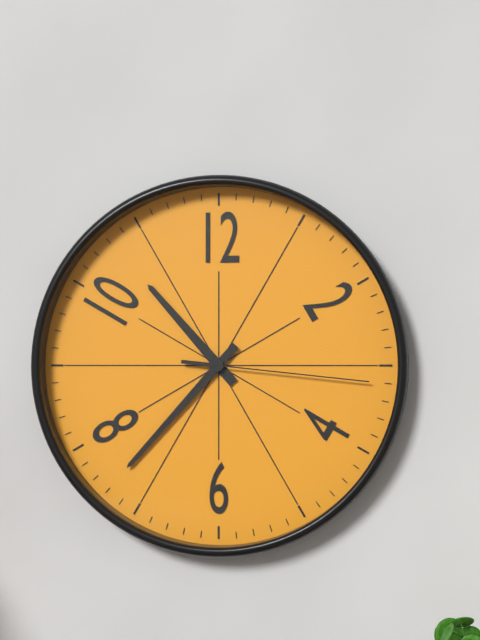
10:37:16
